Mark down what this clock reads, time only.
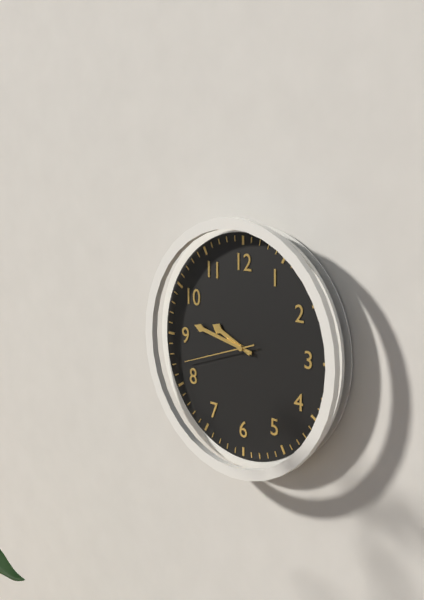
9:47:42
